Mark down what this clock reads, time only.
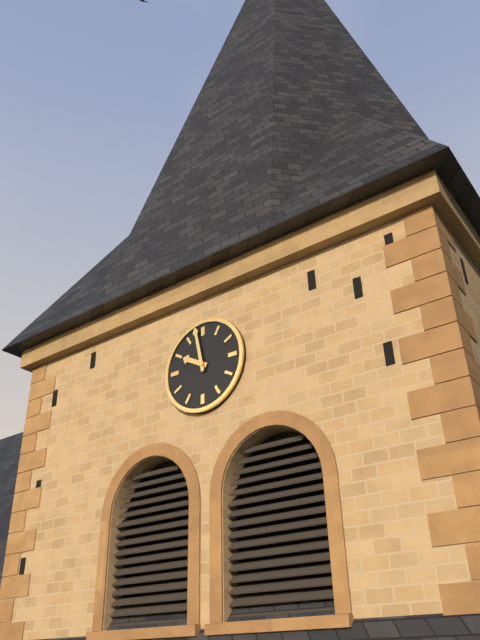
9:58
